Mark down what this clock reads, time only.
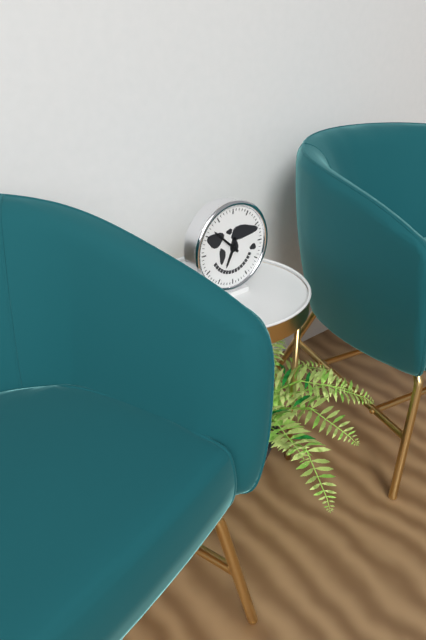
6:52
